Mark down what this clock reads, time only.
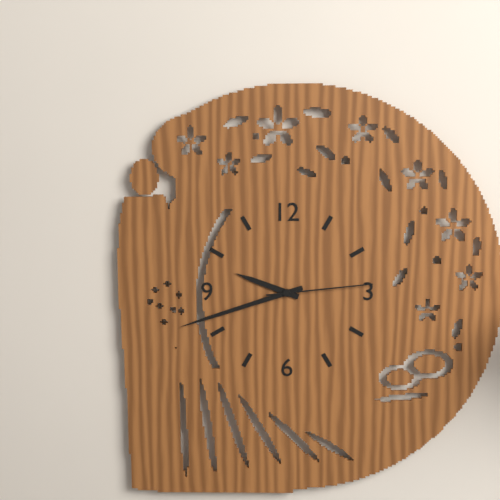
9:42:14
